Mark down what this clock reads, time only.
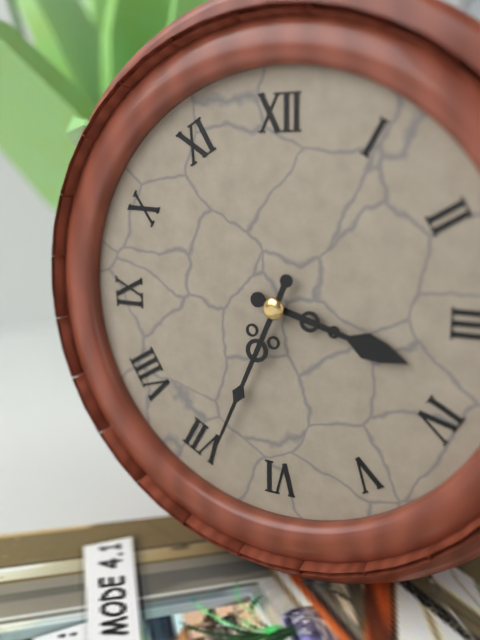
3:34
